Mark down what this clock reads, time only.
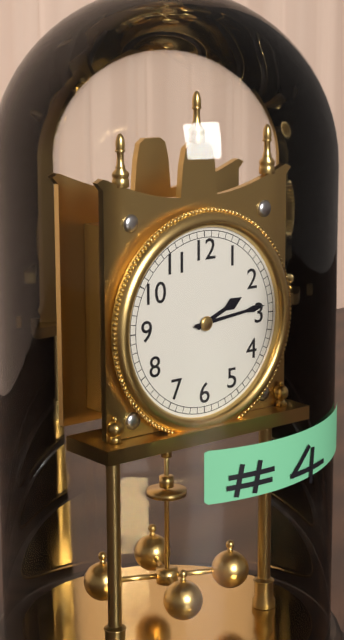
2:14
